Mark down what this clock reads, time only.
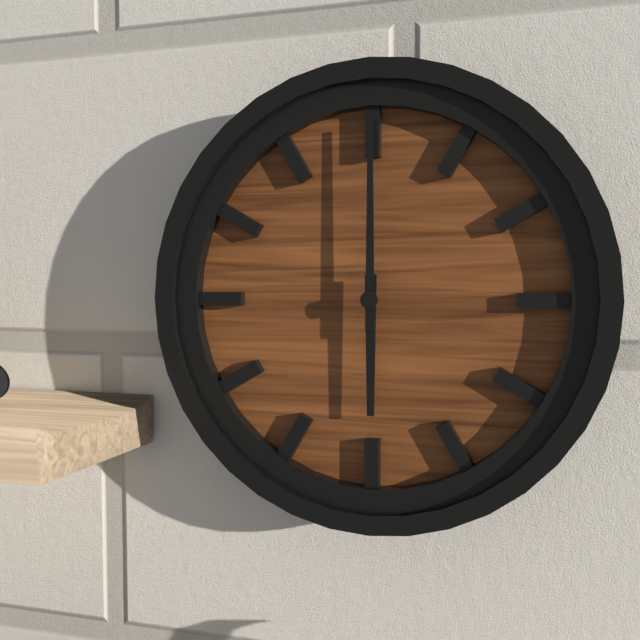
6:00
